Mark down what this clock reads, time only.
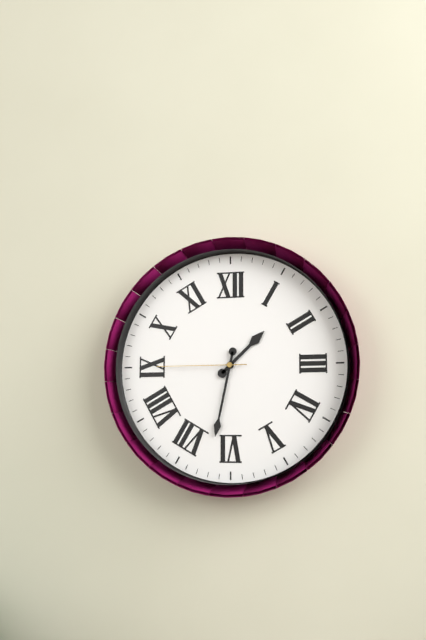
1:32:45
